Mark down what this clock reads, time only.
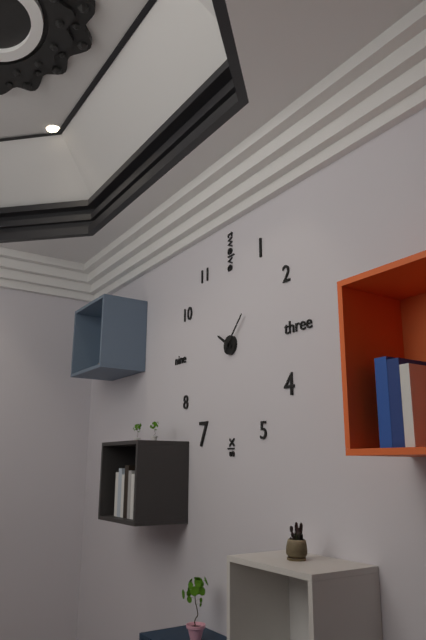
10:07
